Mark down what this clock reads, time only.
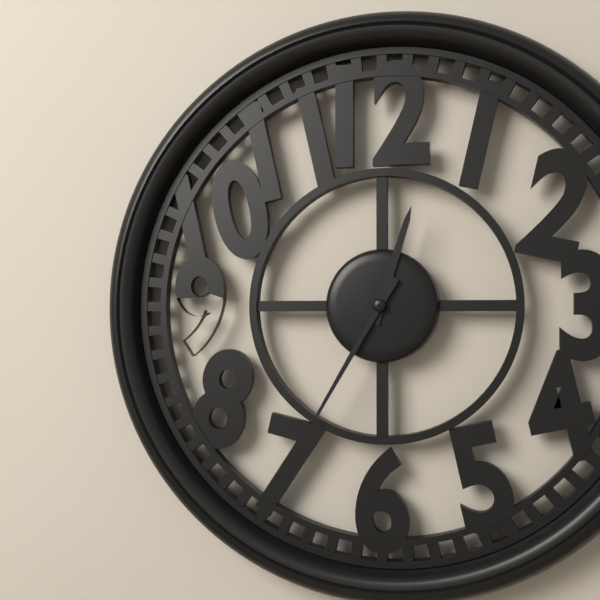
12:35
